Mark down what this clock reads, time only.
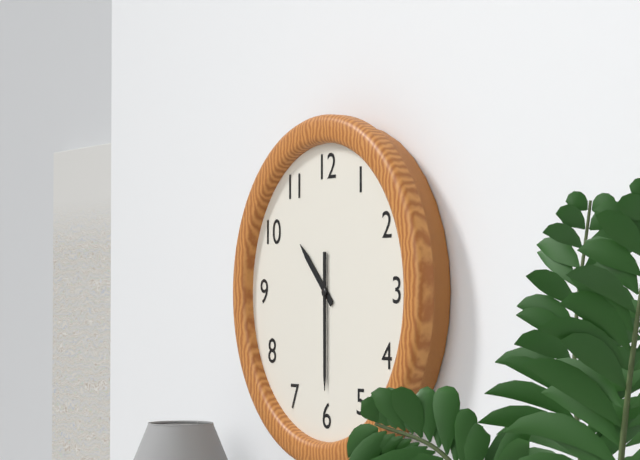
10:30
